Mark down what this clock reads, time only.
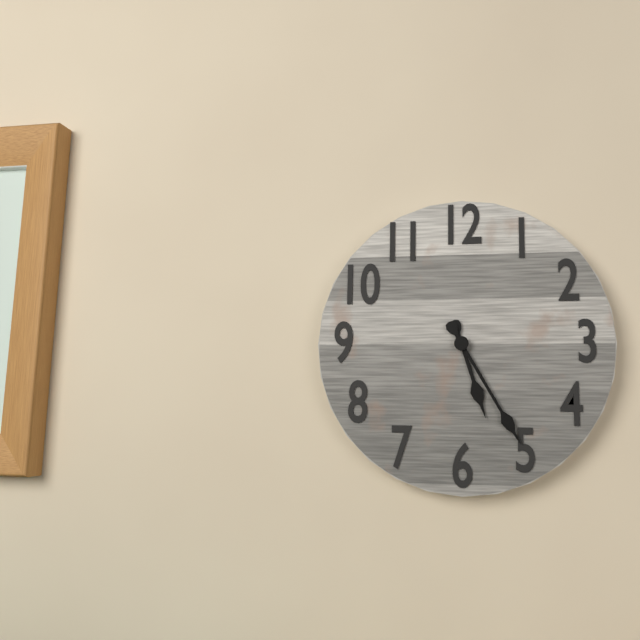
5:25
